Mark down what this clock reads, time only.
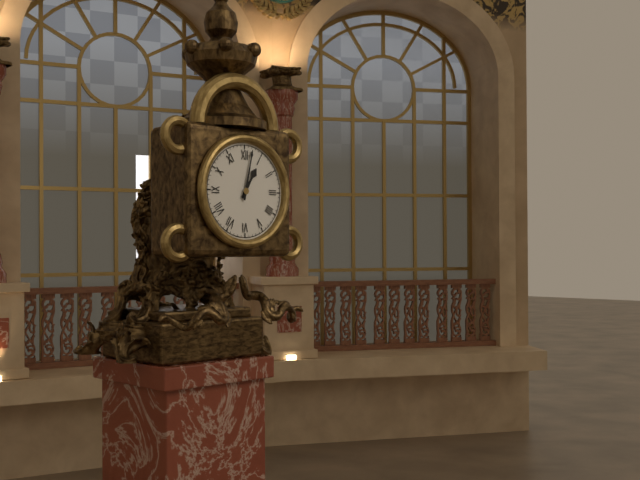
1:02
